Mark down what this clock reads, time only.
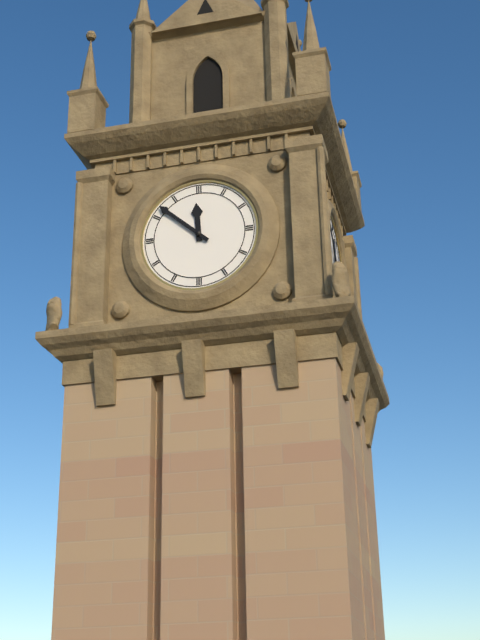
11:52
